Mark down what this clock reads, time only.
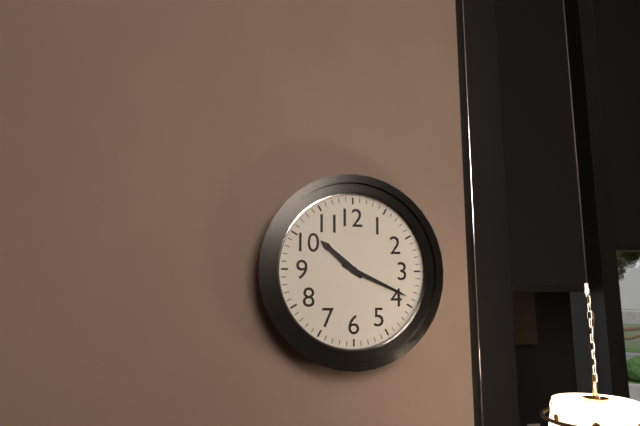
10:19
